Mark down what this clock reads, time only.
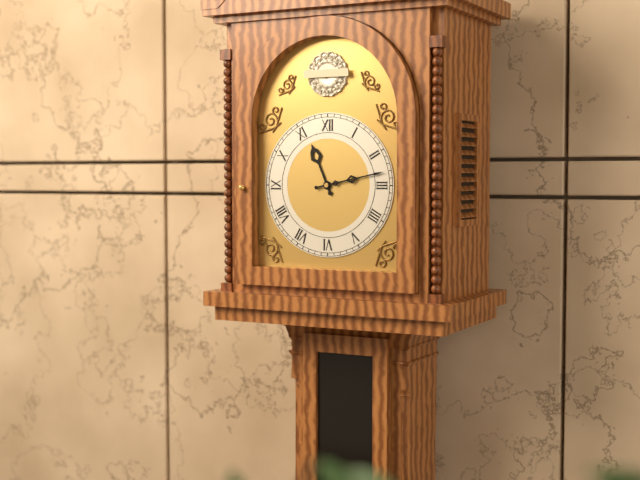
11:13
